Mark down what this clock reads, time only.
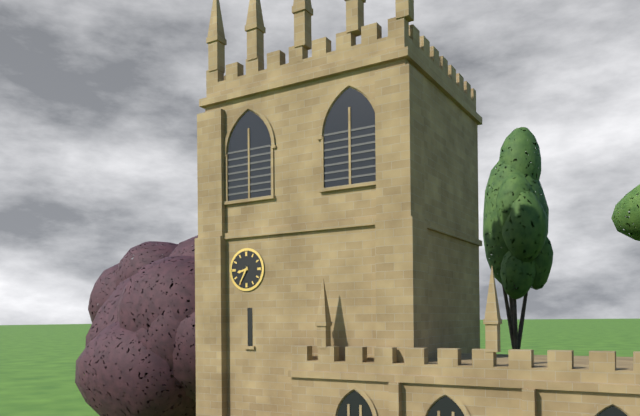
8:35
